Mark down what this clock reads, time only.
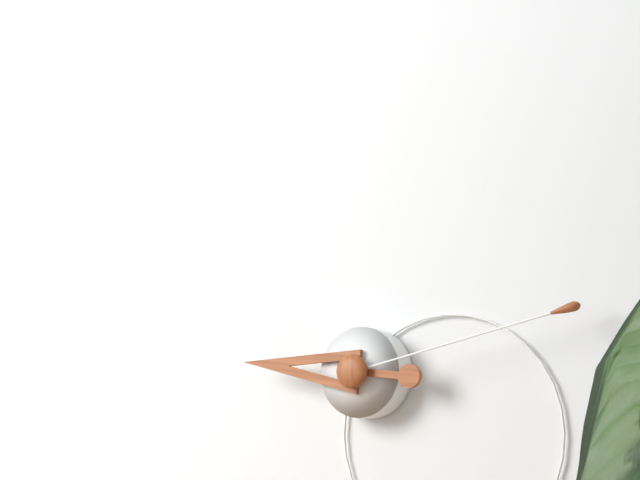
9:13
